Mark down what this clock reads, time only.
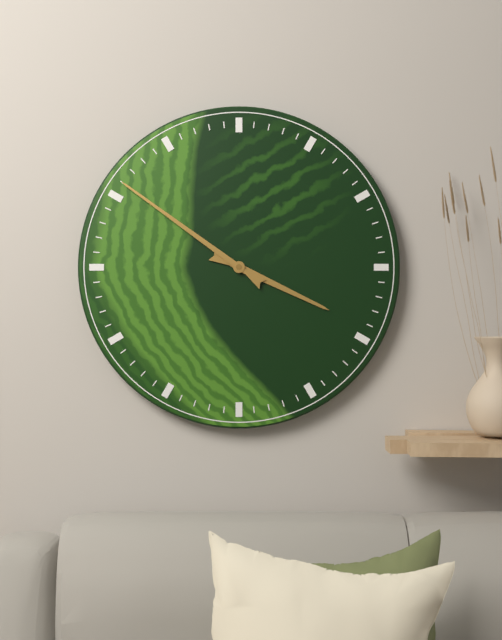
3:51
